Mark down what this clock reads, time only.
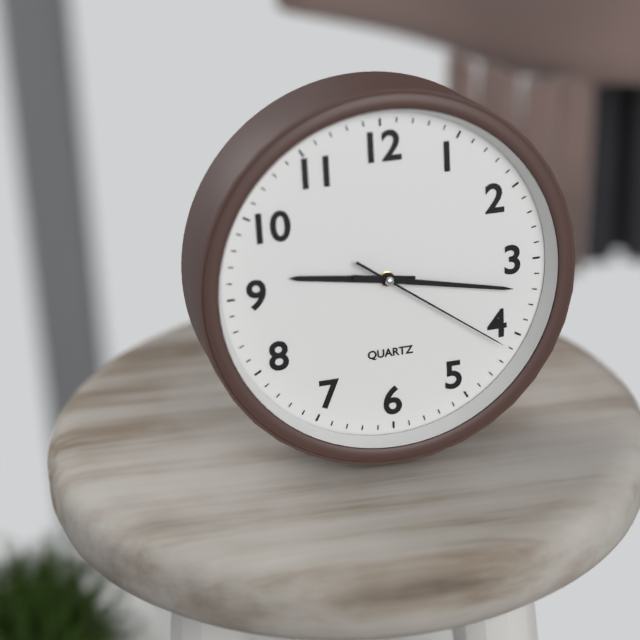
9:17:21
